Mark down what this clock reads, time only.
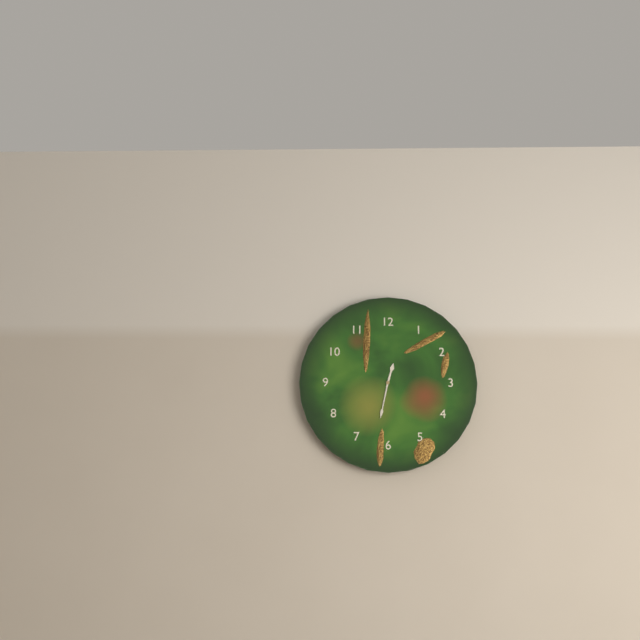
12:32
